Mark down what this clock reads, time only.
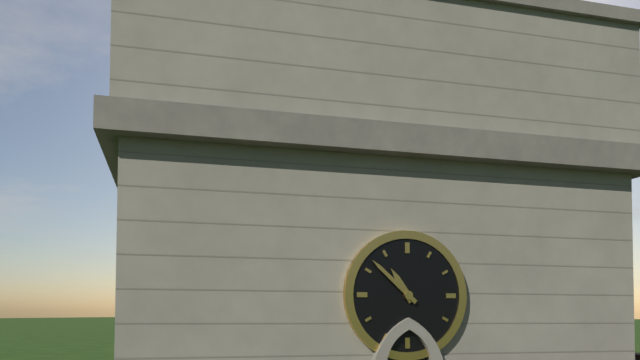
10:52
